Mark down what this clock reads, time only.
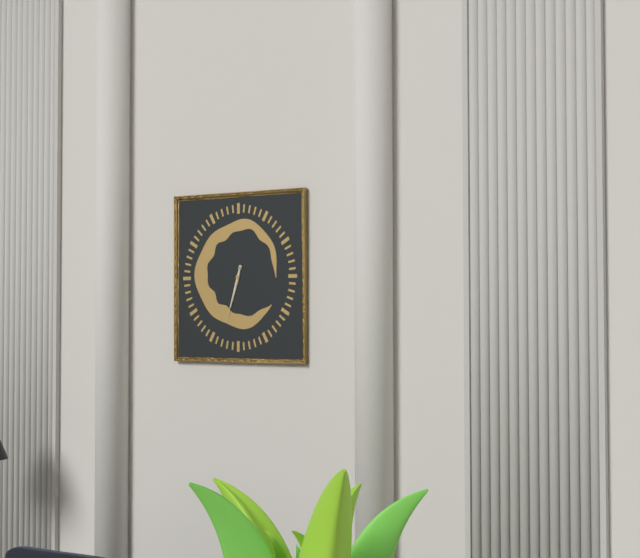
6:33
